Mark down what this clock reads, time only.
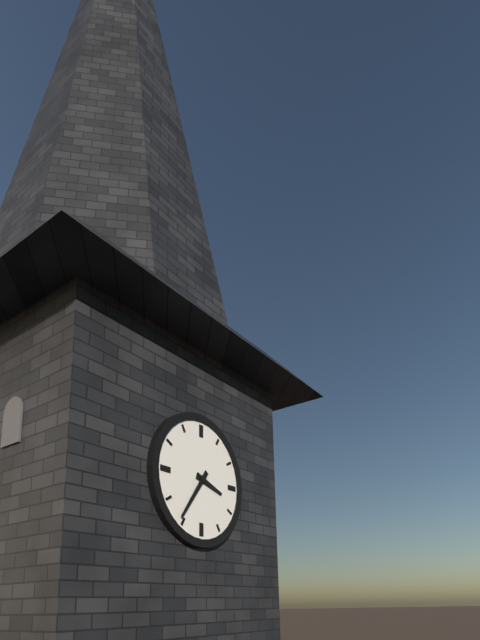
3:36
